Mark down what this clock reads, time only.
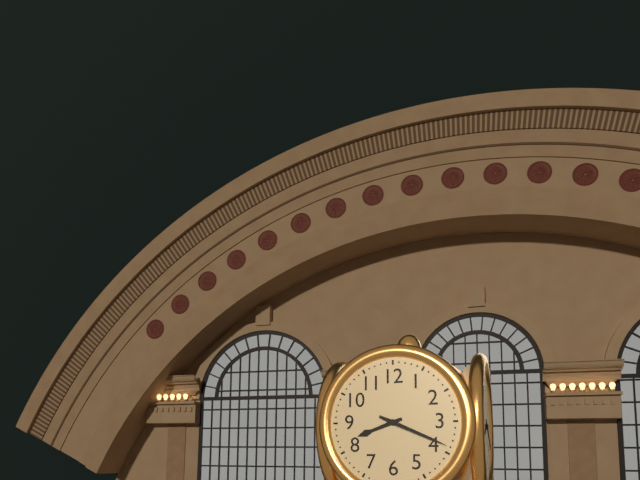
8:19
